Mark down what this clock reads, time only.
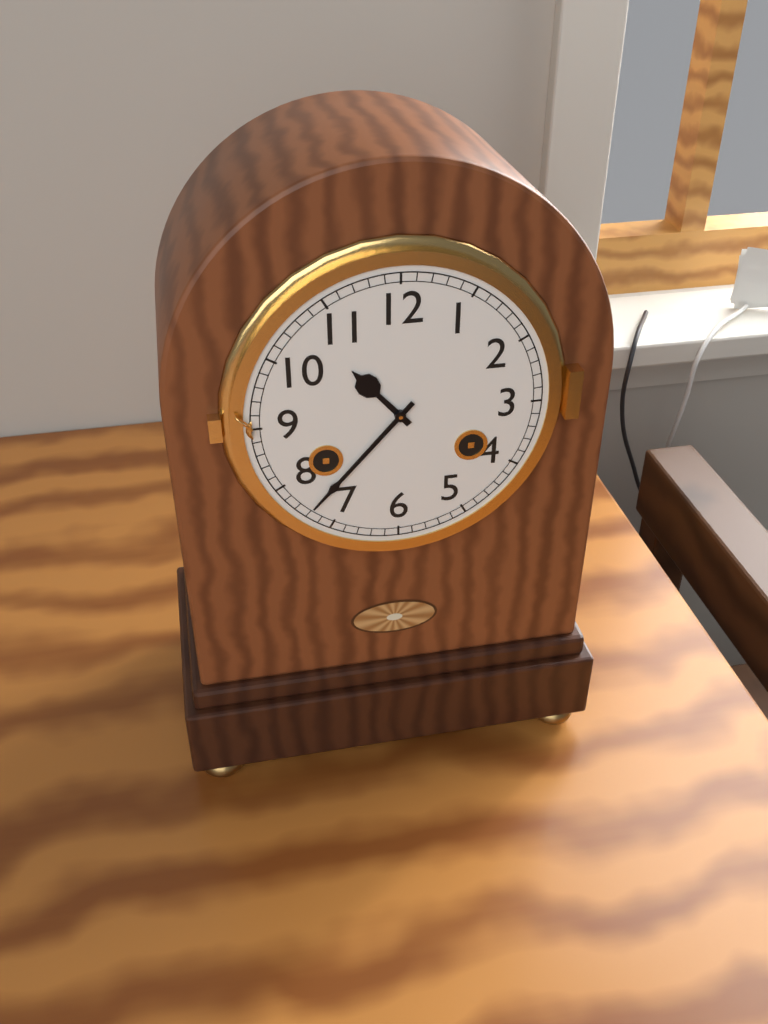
10:37
